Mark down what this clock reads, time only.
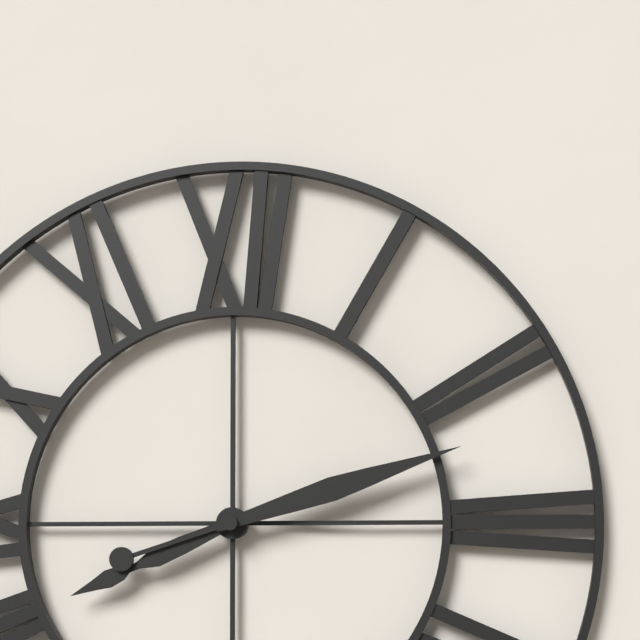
8:12
